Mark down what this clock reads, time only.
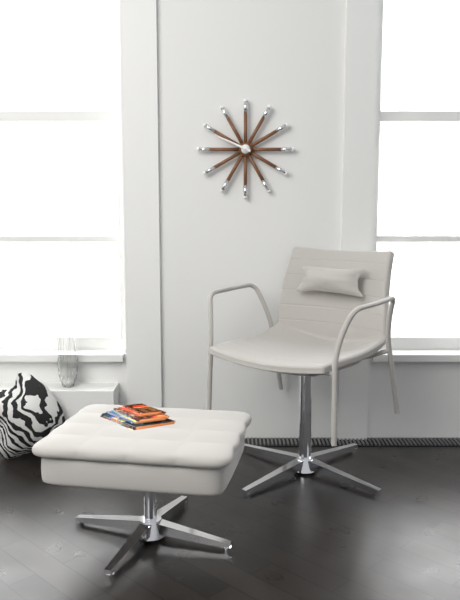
9:49
